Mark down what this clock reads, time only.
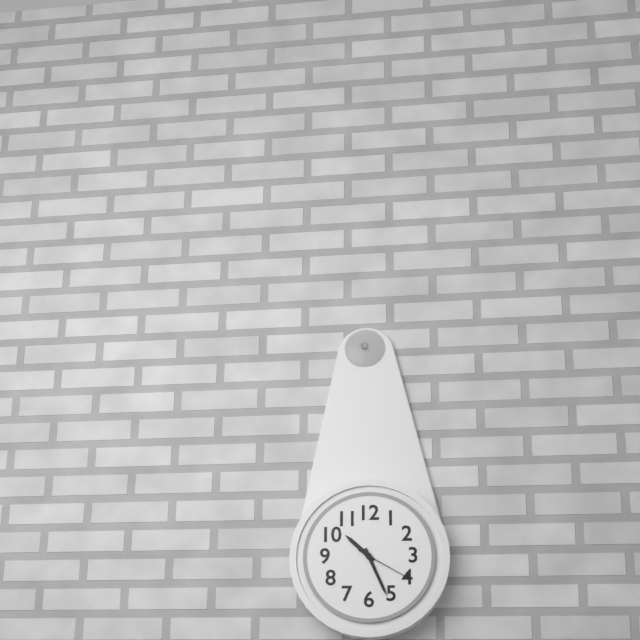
10:26:20
